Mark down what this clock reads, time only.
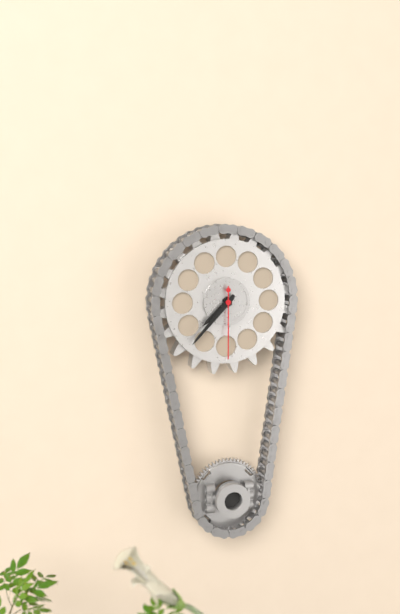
7:37:30
